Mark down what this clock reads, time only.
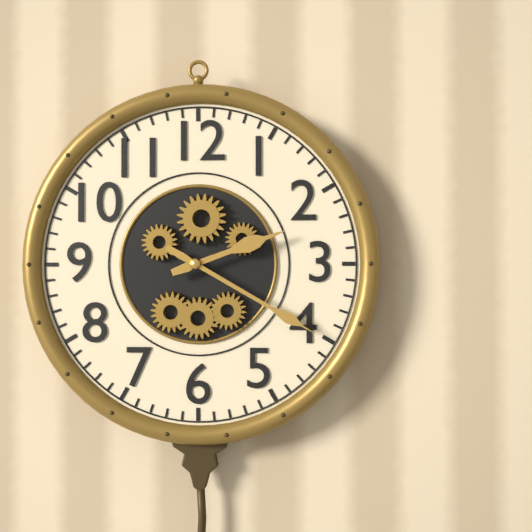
2:20
